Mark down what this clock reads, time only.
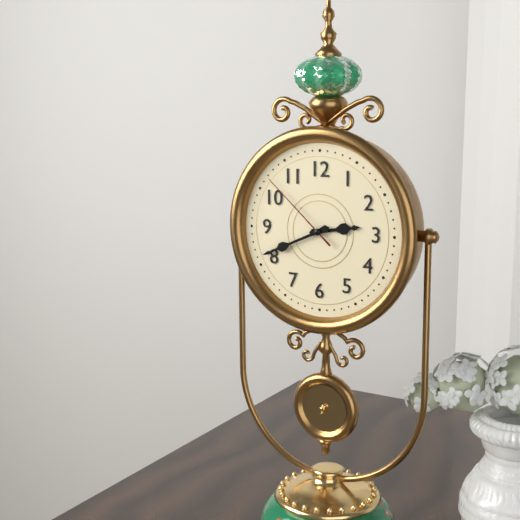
2:41:52
